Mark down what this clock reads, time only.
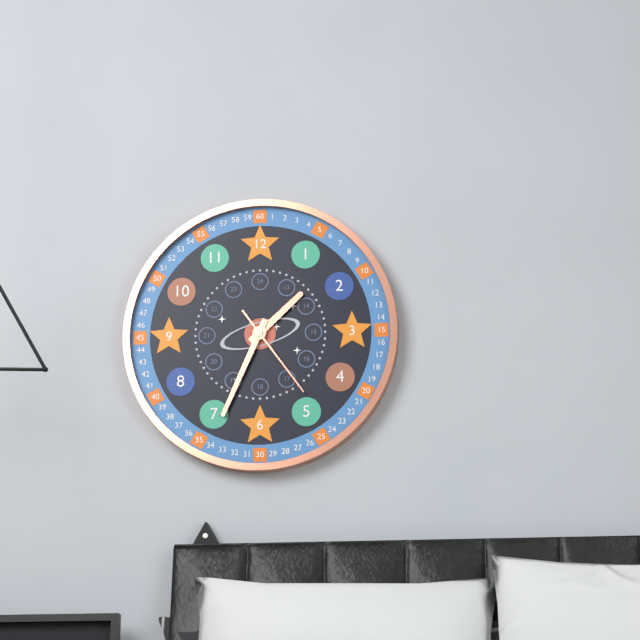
1:34:24
